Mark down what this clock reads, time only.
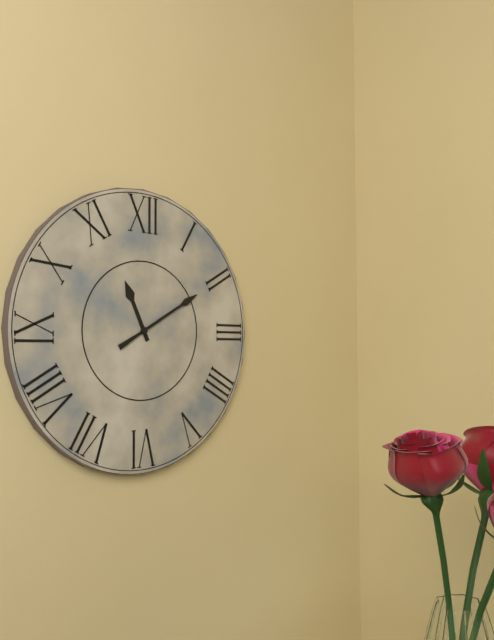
11:10
